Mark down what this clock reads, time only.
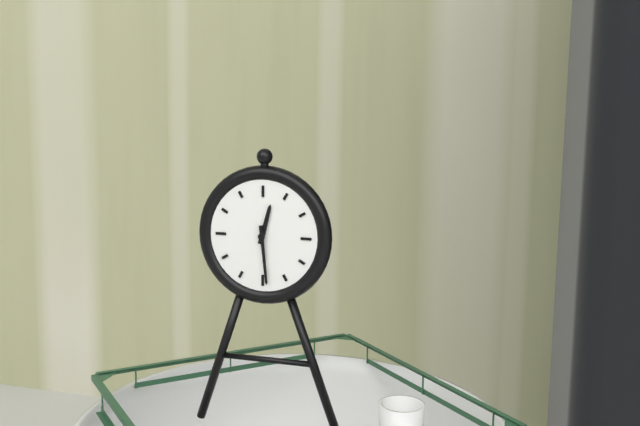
12:29
